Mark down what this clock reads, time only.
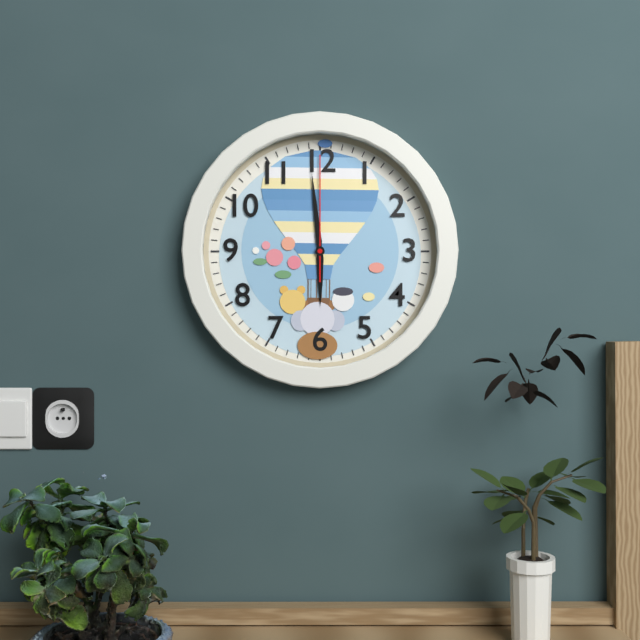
5:59:00
